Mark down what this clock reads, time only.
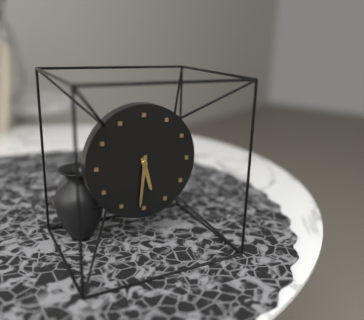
5:31
